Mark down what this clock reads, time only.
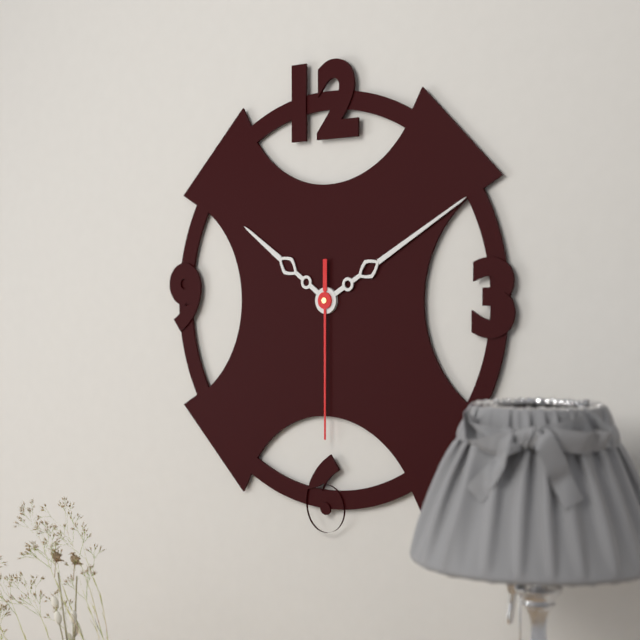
10:10:30
